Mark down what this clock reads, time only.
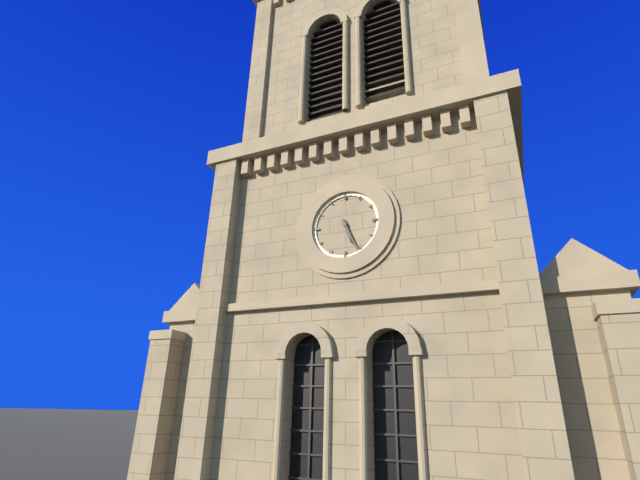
5:26
